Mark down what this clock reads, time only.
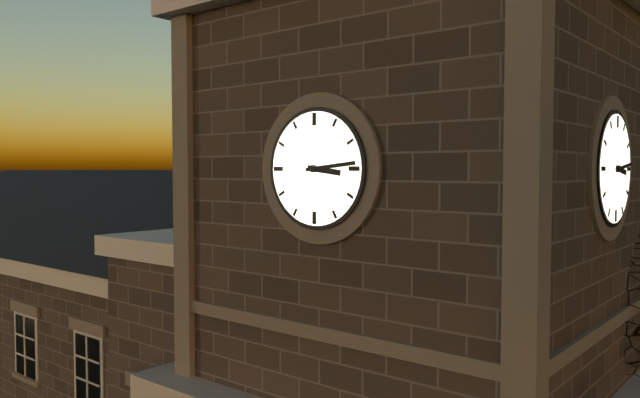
3:14
